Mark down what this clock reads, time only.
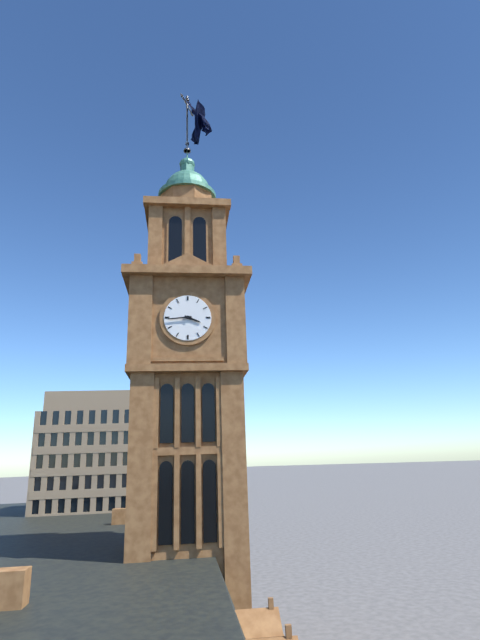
3:44
